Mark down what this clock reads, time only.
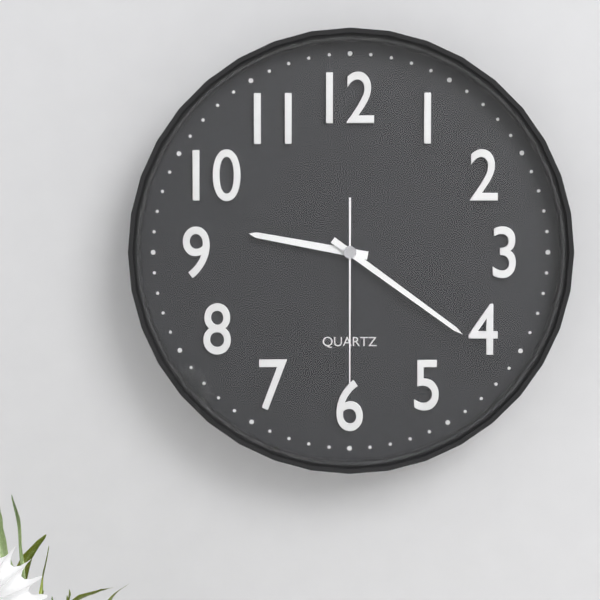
9:21:30
